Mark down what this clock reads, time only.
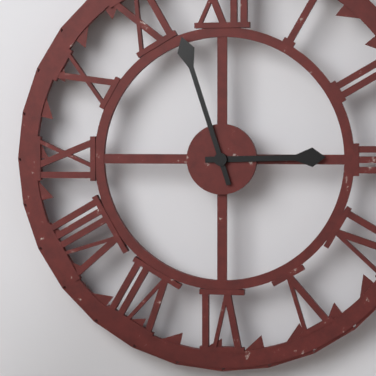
2:57
